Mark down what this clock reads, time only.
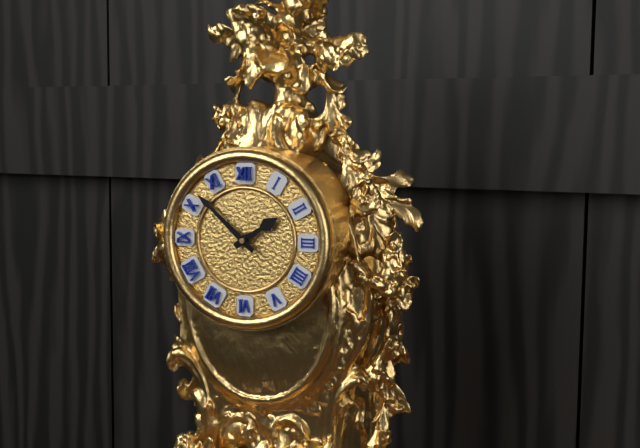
1:52
